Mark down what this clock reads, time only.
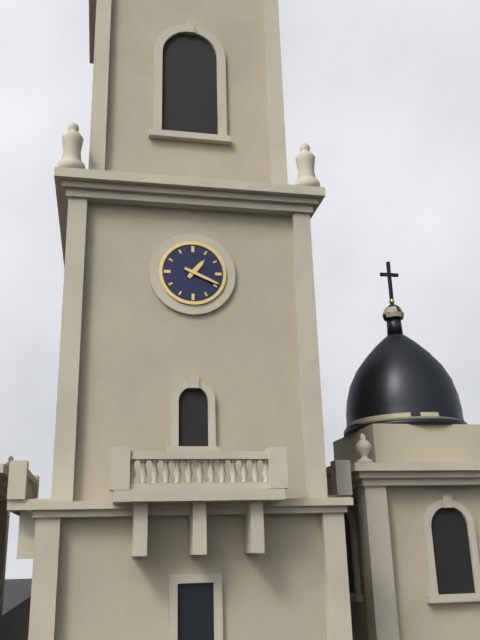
1:19
